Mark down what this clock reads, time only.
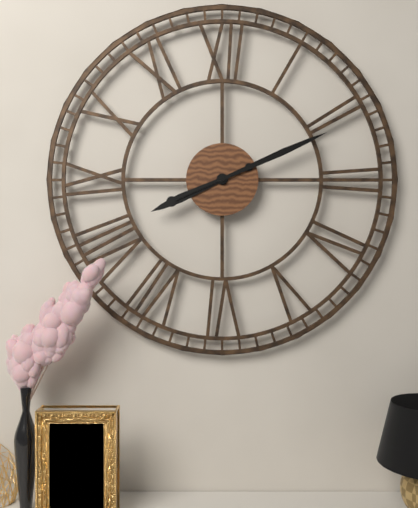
8:11
